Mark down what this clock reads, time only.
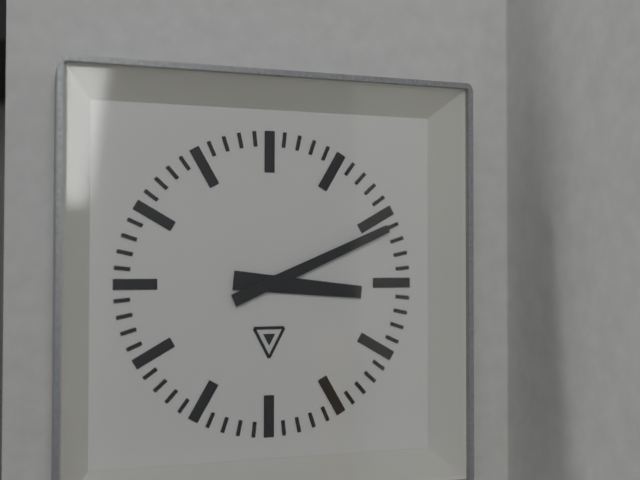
3:11
